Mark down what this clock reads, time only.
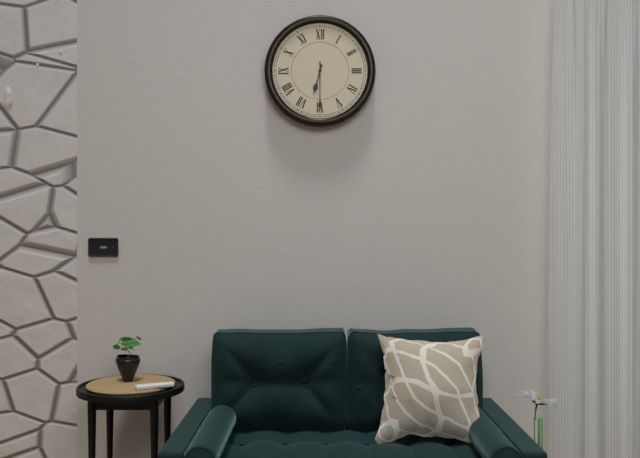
6:30
